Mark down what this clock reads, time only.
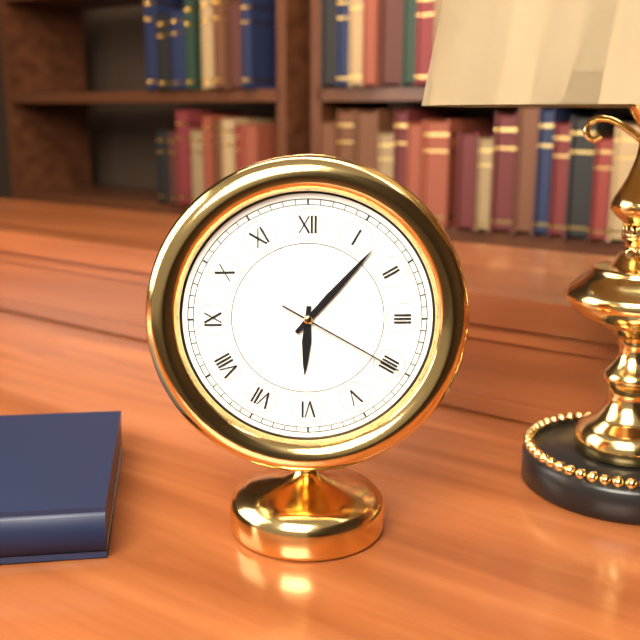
6:07:20
